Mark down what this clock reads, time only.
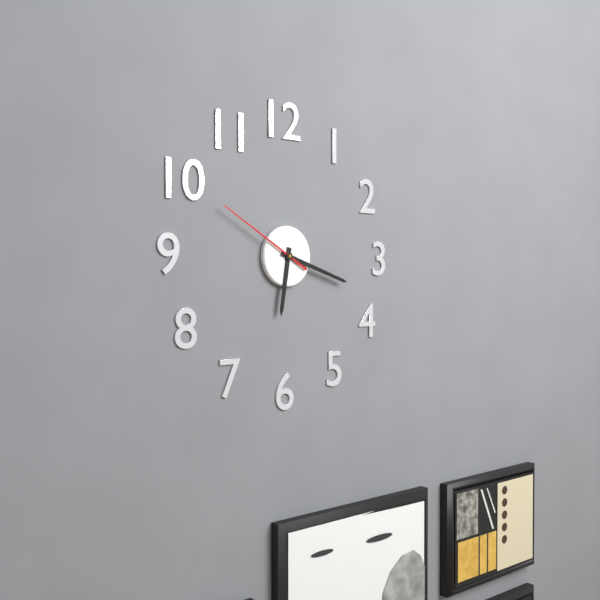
6:18:50
